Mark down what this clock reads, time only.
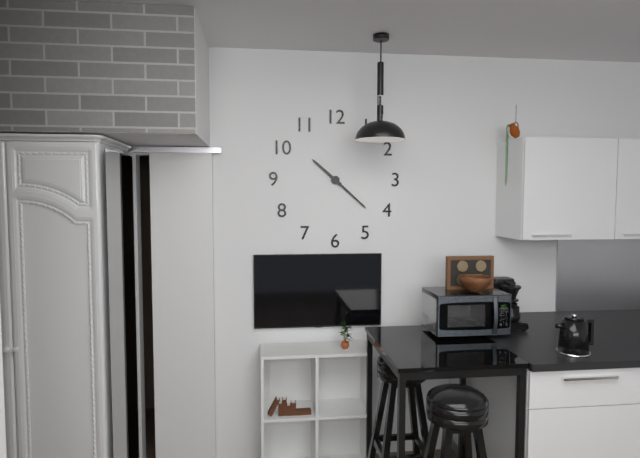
10:22
